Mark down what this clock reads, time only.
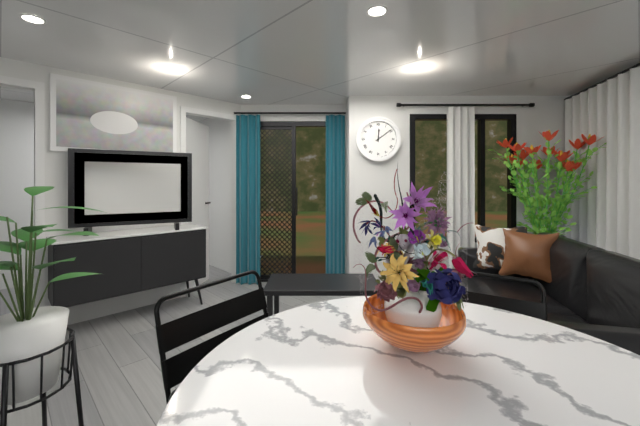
12:09
